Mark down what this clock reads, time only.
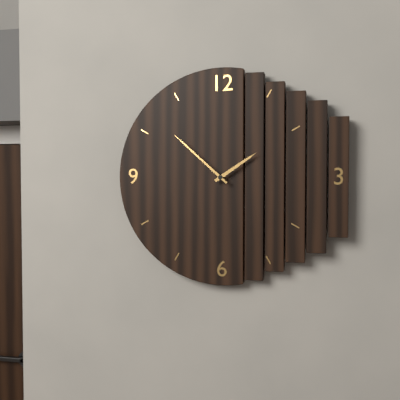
1:52
